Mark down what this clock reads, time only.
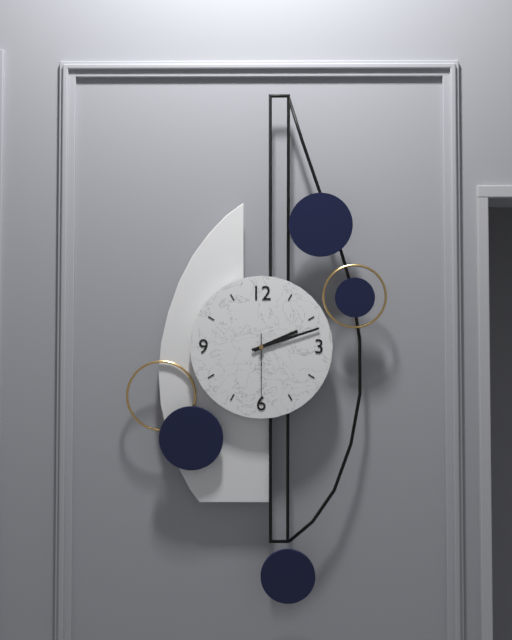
2:12:30
